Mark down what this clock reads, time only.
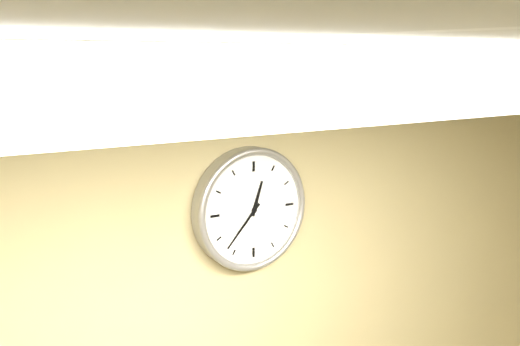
12:37
